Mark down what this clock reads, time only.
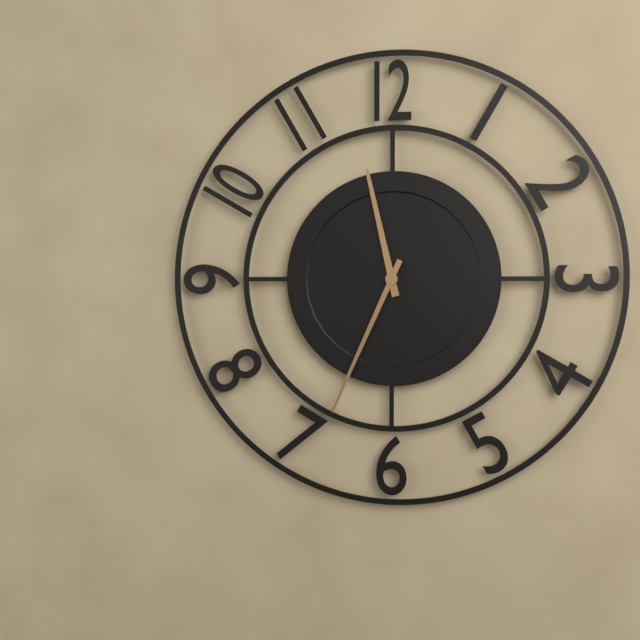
11:34
